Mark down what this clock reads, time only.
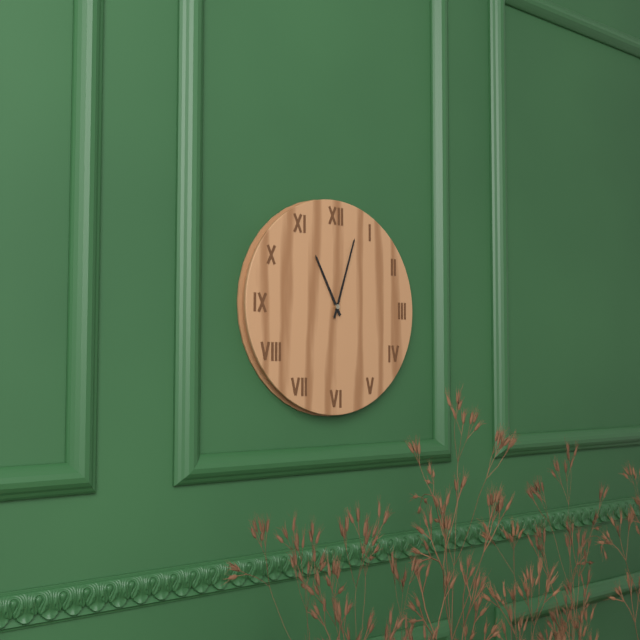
11:03
